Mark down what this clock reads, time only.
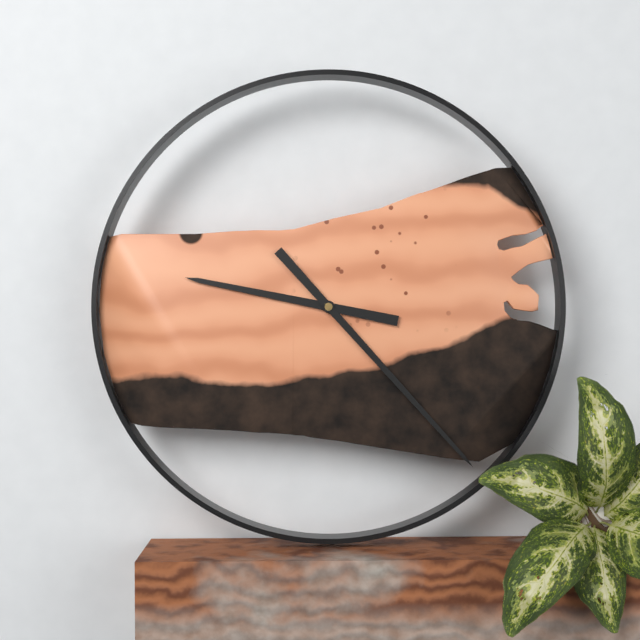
9:23
